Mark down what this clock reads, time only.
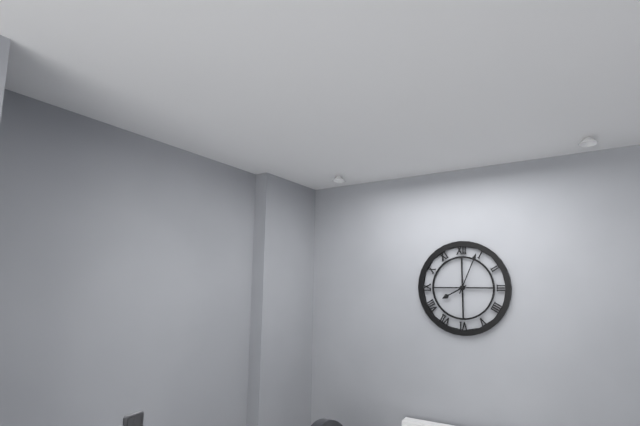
8:04
